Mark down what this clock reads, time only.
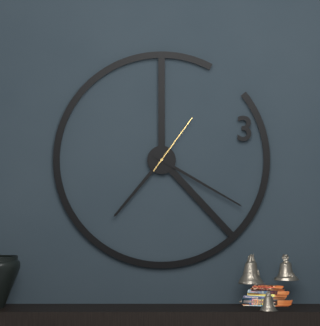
7:20:06
